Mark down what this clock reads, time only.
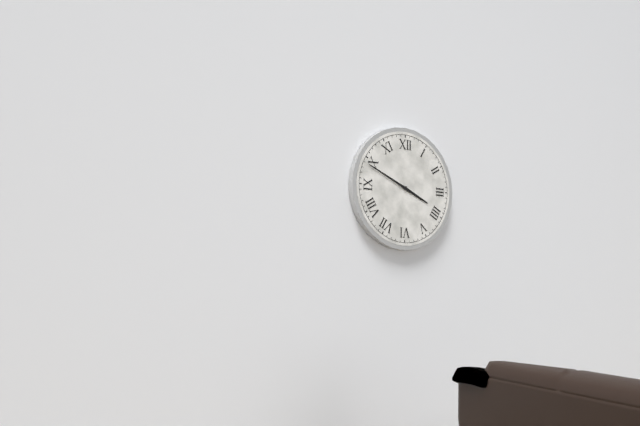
3:49
